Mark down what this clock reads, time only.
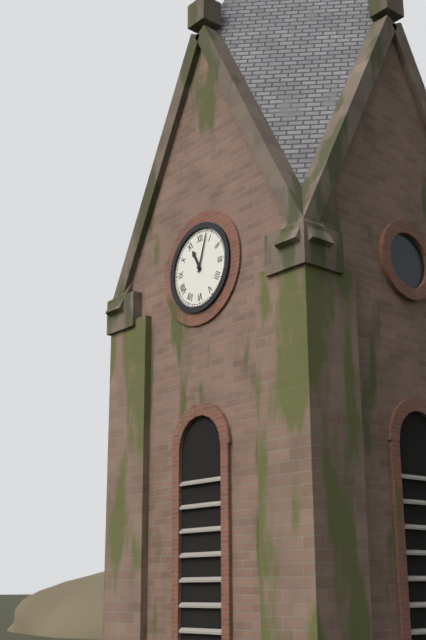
11:03
